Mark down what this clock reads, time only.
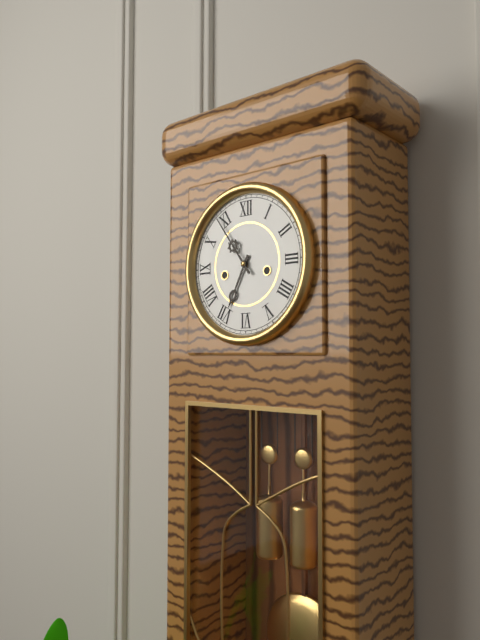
6:54
